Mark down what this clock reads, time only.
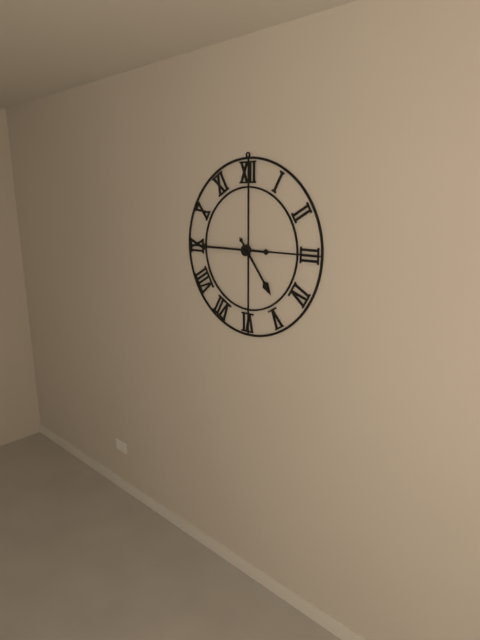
4:45
